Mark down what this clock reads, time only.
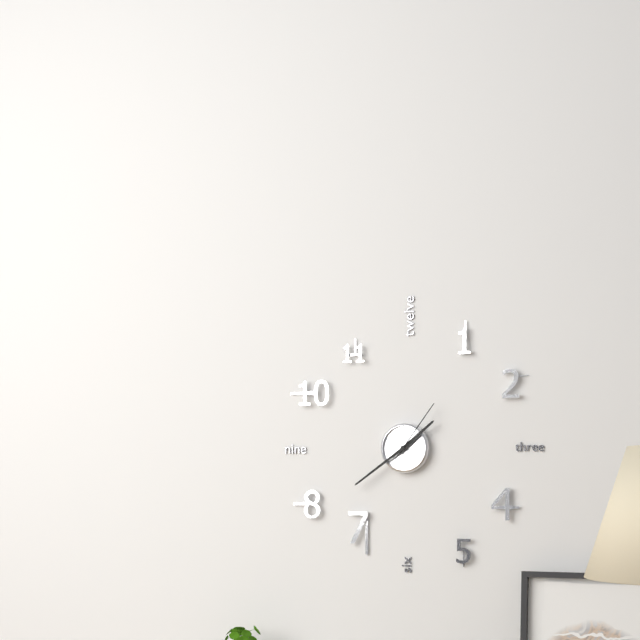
1:39:06
